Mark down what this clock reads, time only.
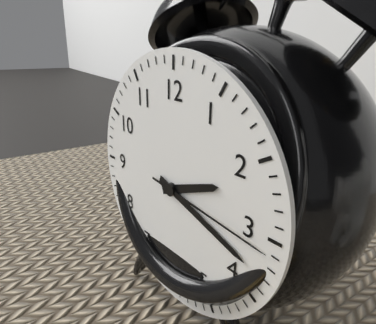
2:18:16
